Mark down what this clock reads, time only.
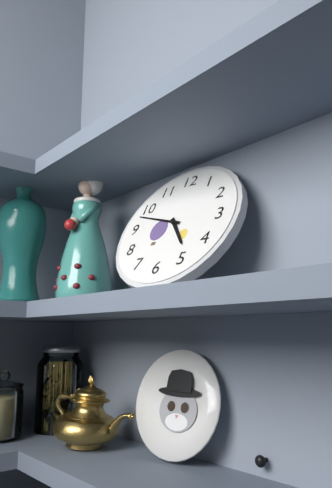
4:48
